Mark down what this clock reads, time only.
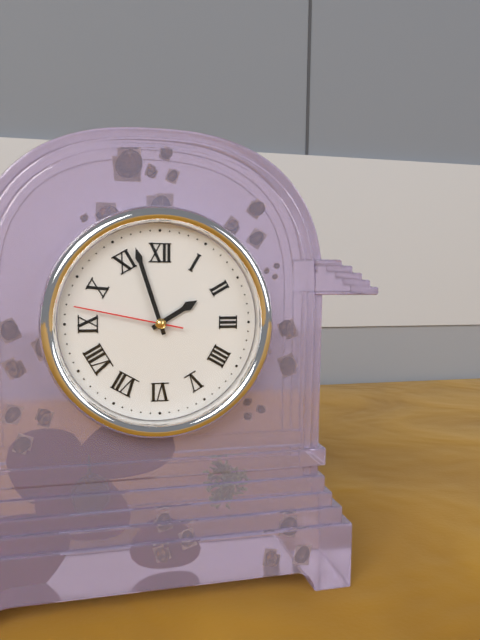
1:57:47
